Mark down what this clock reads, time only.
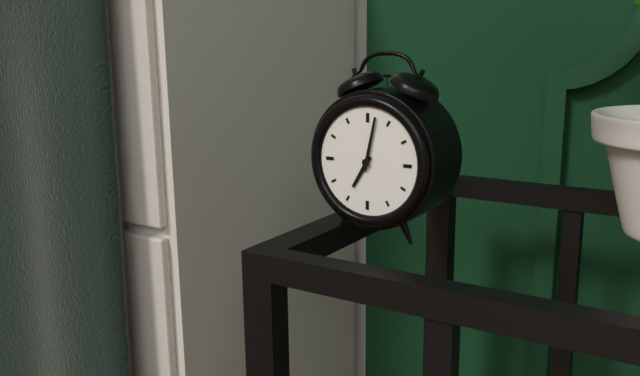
7:02
